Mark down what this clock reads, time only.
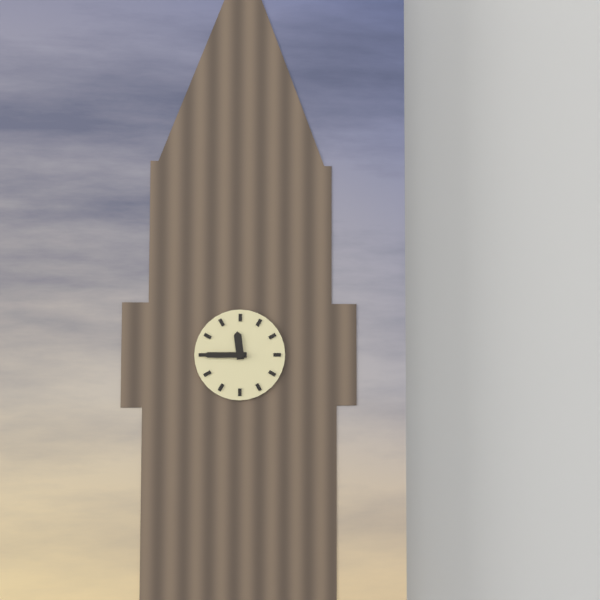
11:45
